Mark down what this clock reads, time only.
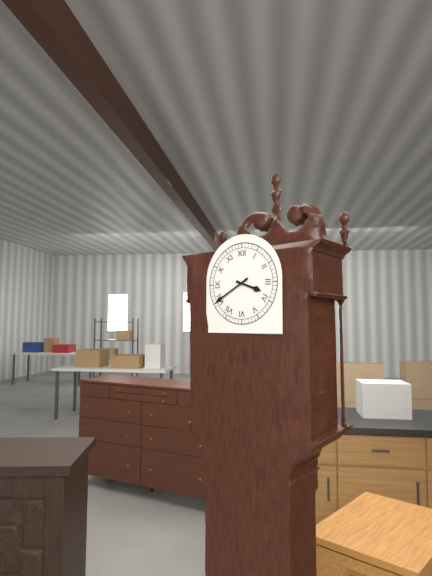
3:40
